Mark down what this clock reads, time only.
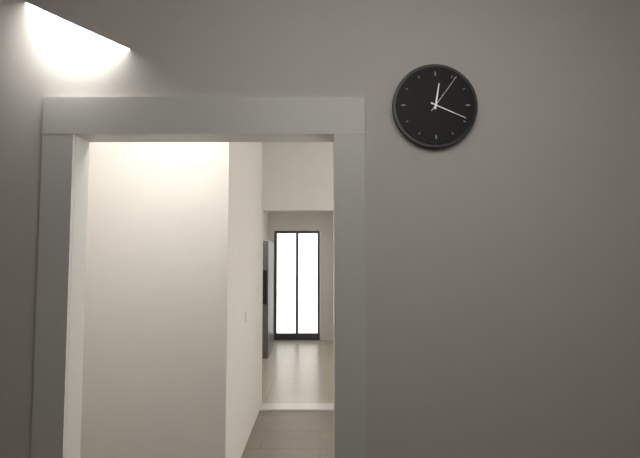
12:19
